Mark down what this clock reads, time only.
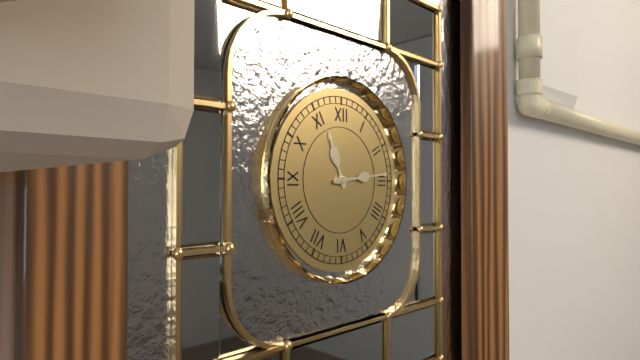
11:14
